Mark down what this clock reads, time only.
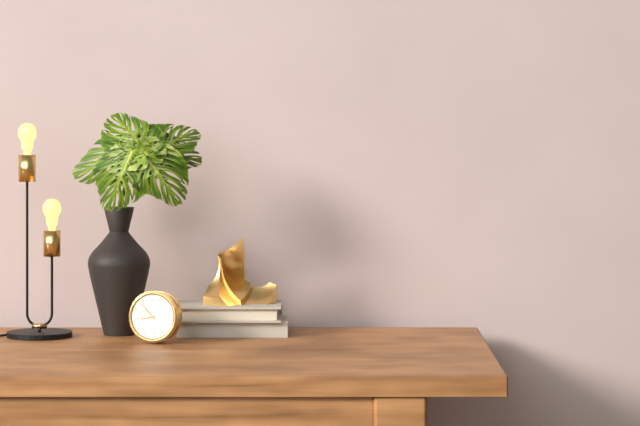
8:54
